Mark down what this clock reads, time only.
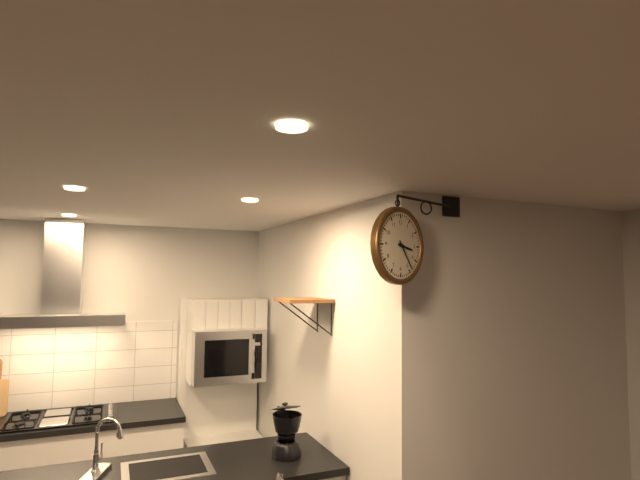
3:24
